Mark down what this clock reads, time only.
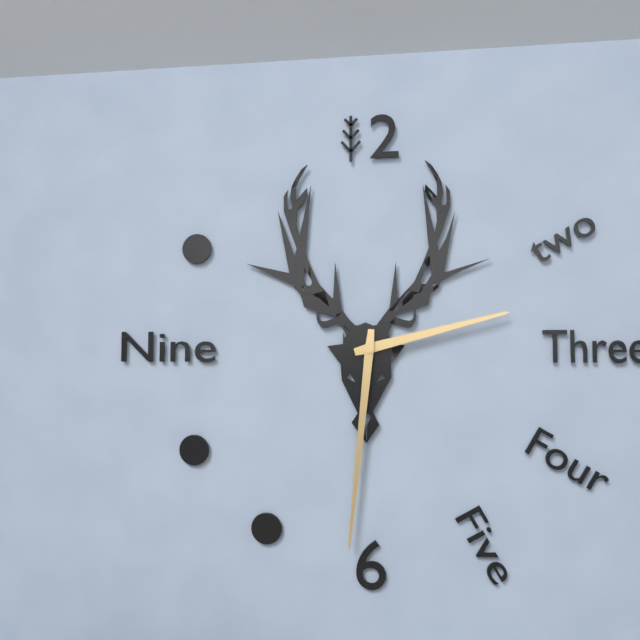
2:31
